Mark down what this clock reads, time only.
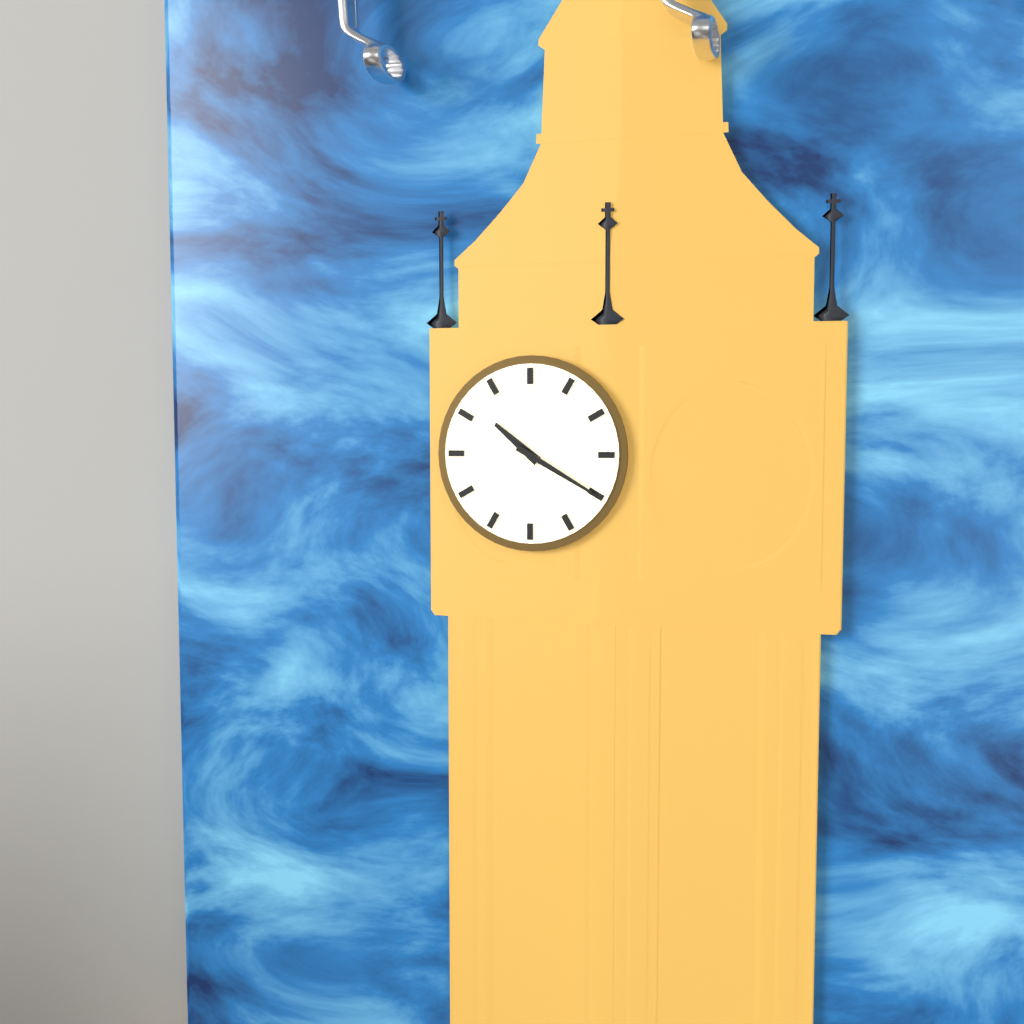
10:20
